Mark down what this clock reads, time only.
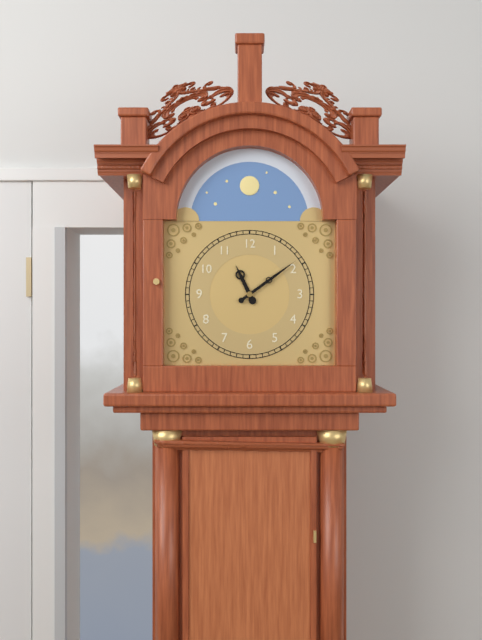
11:09
